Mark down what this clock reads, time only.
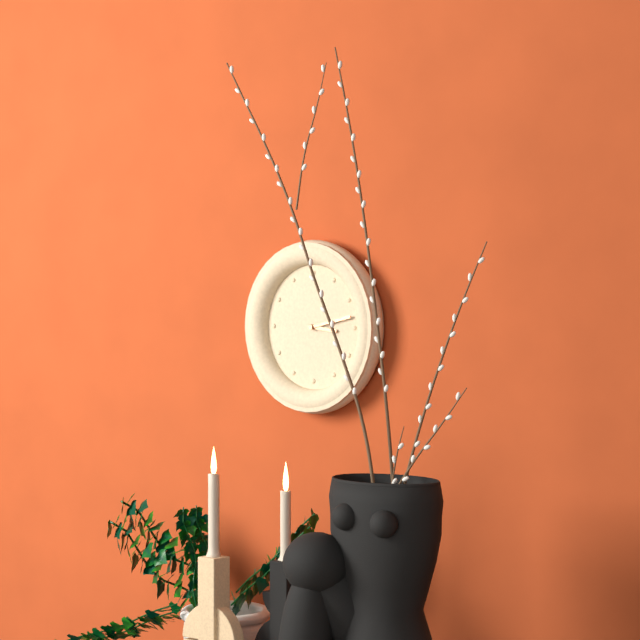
3:13
